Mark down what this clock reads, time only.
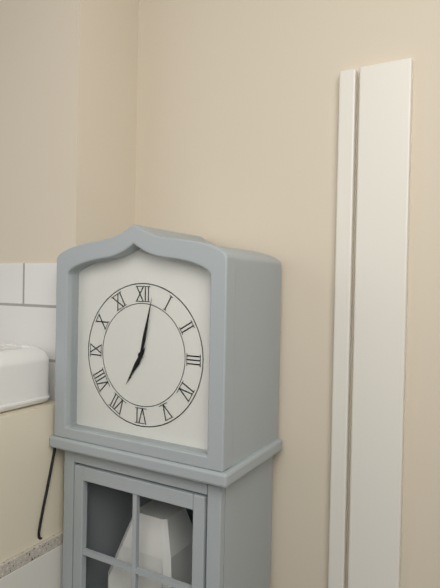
7:02
